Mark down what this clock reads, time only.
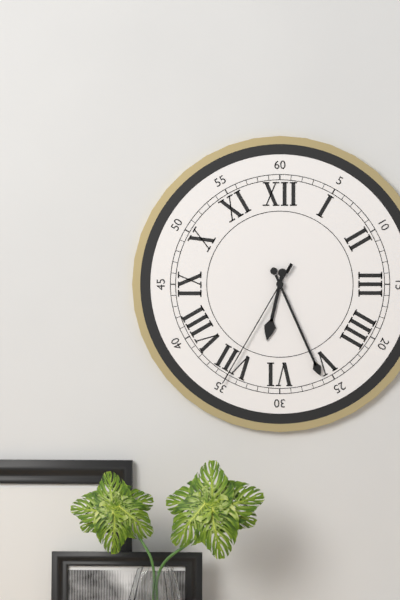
6:26:35
